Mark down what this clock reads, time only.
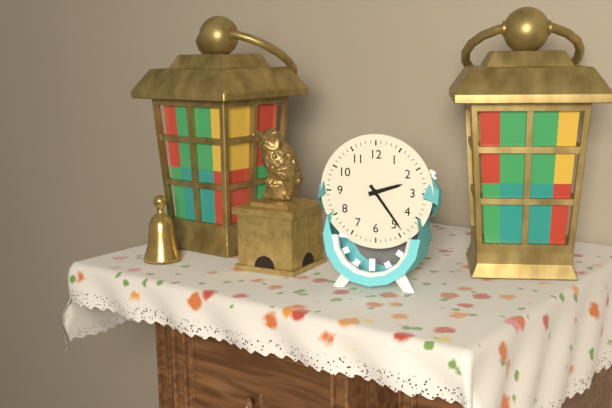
2:24
